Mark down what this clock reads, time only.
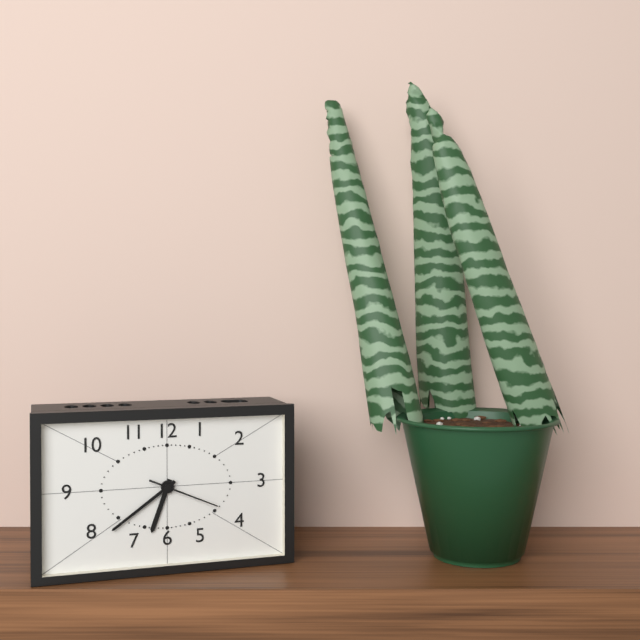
6:39:19
